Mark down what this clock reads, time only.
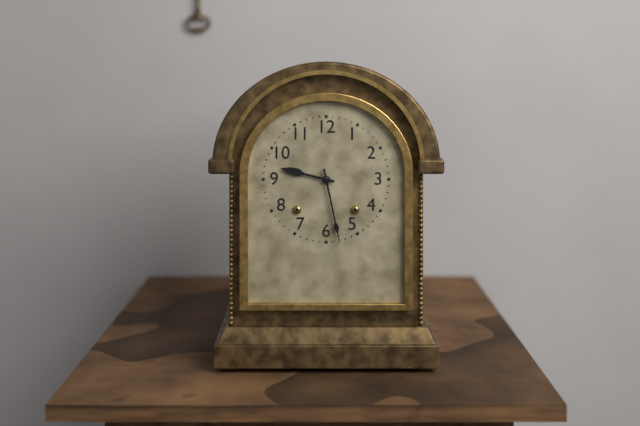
9:28
